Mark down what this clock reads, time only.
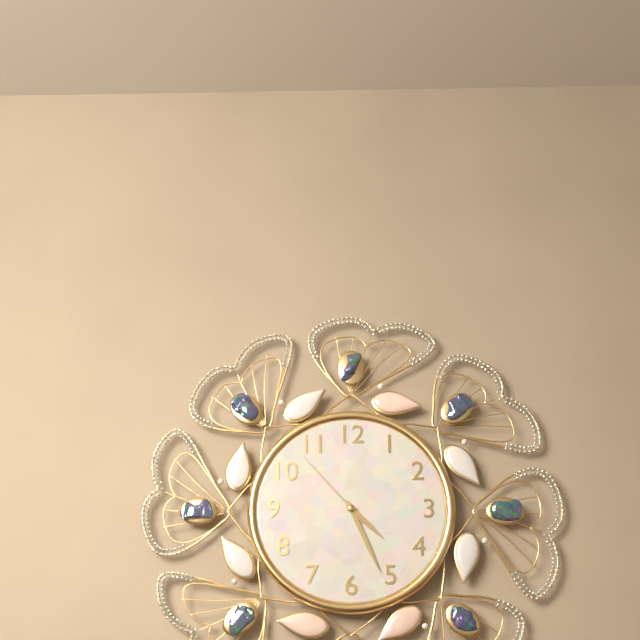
4:26:53
